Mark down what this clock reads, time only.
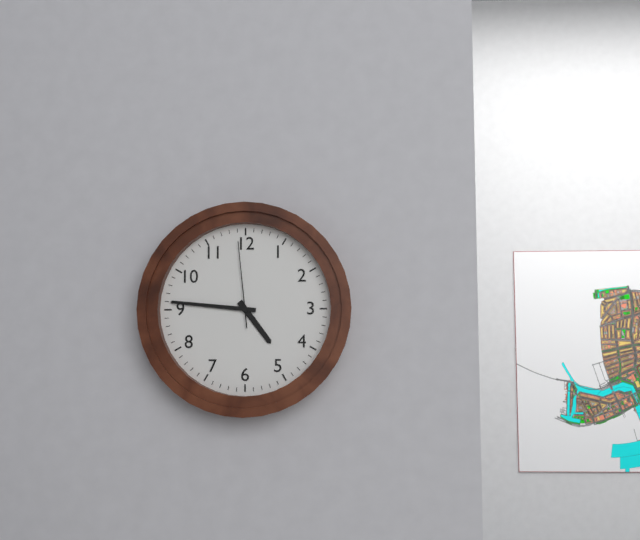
4:46:59
